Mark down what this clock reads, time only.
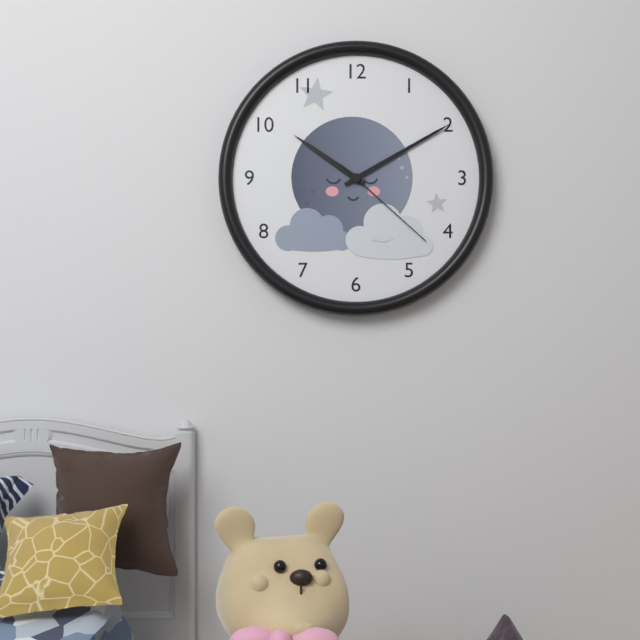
10:10:22
